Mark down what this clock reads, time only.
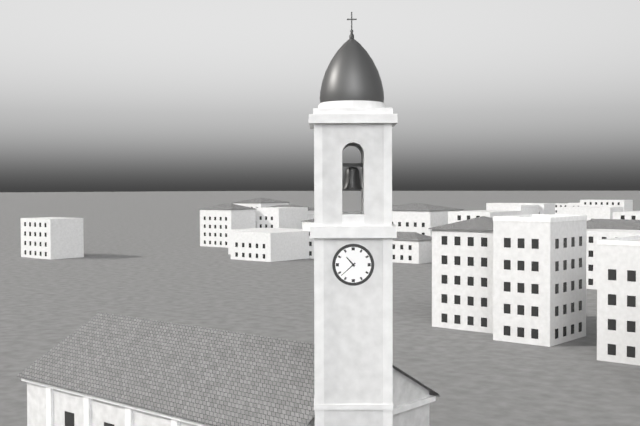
10:38
